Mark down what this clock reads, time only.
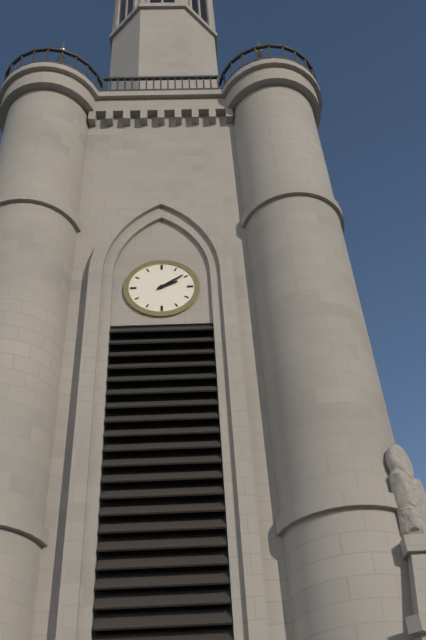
2:09
